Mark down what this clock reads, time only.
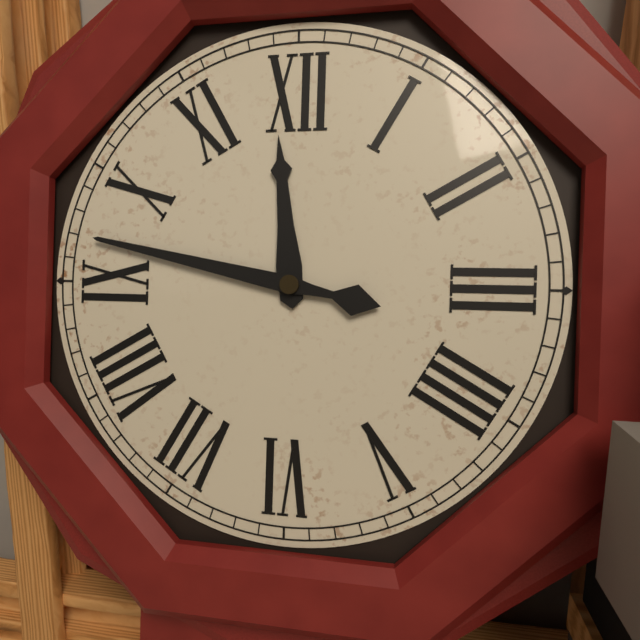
11:47
